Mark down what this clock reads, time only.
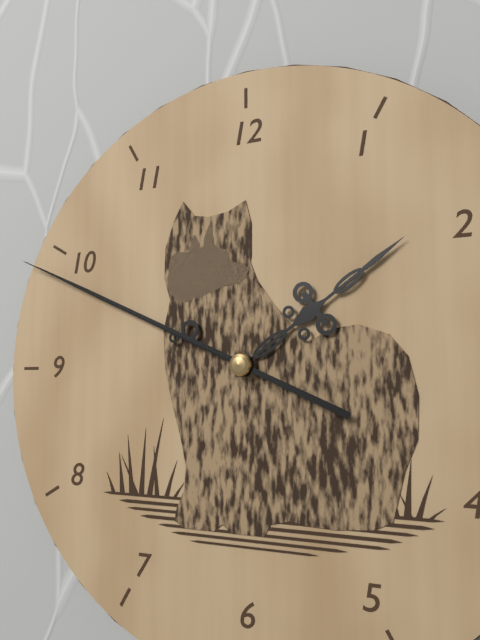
1:49:49
